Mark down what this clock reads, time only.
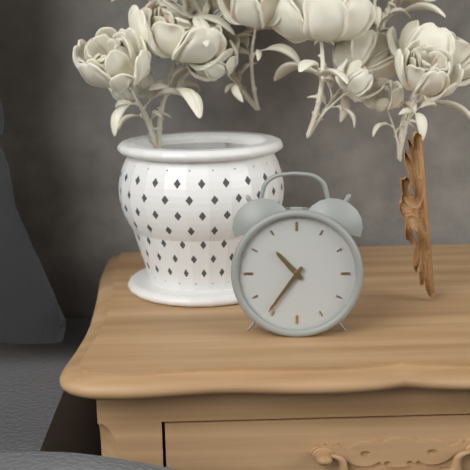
10:36
